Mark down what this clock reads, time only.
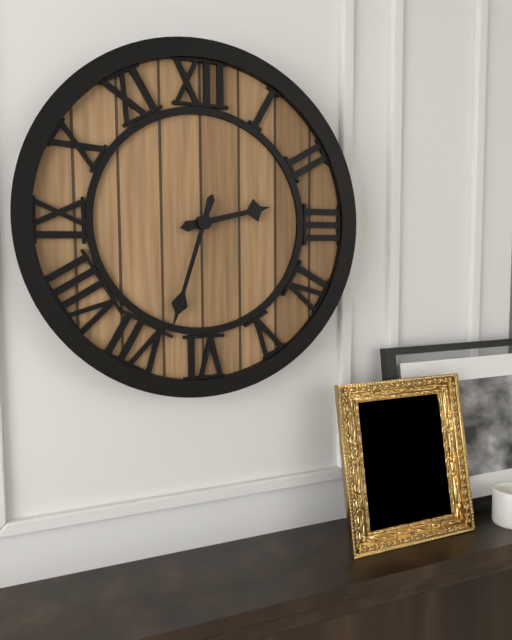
2:33
